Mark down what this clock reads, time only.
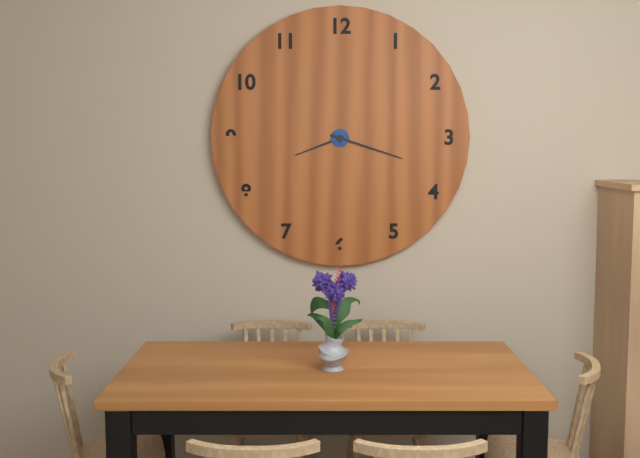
8:18
